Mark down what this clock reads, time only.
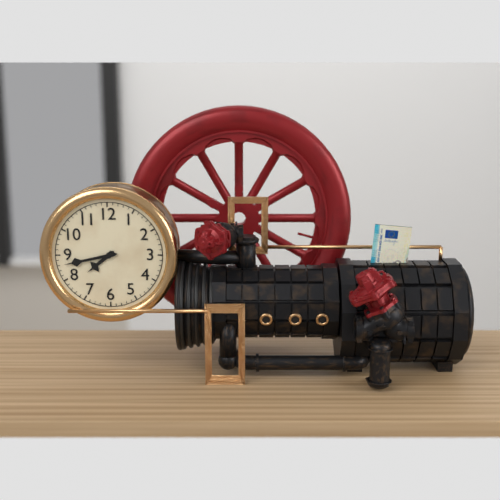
7:43
